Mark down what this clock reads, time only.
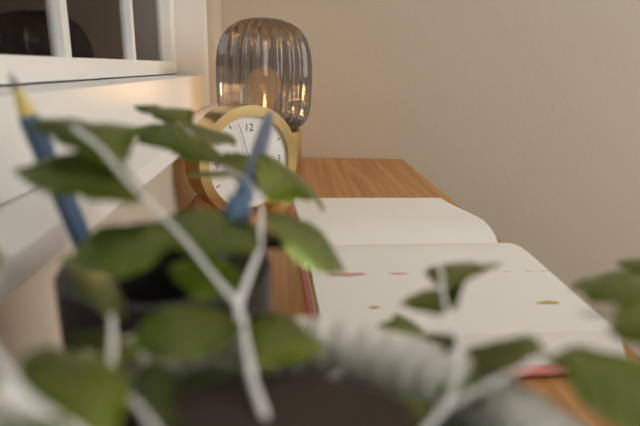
8:19
